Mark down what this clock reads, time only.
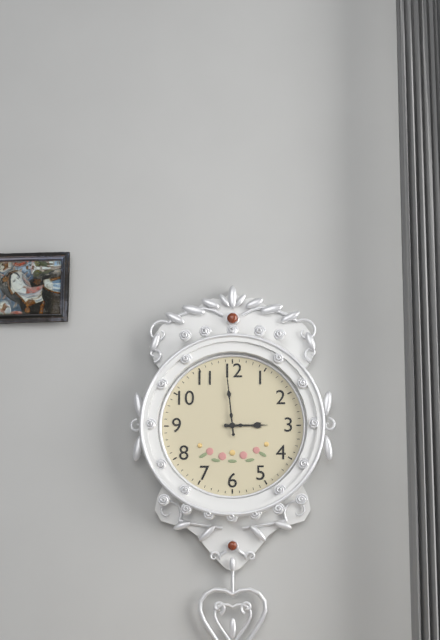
2:59
